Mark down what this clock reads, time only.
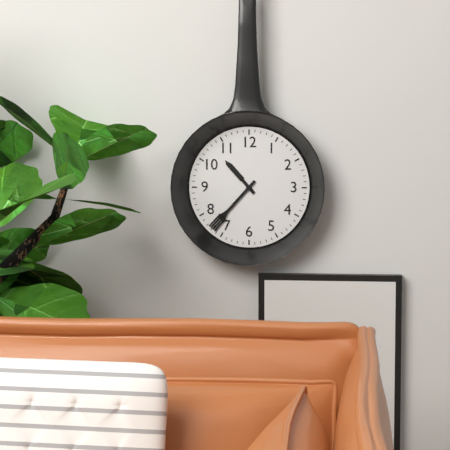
10:37
